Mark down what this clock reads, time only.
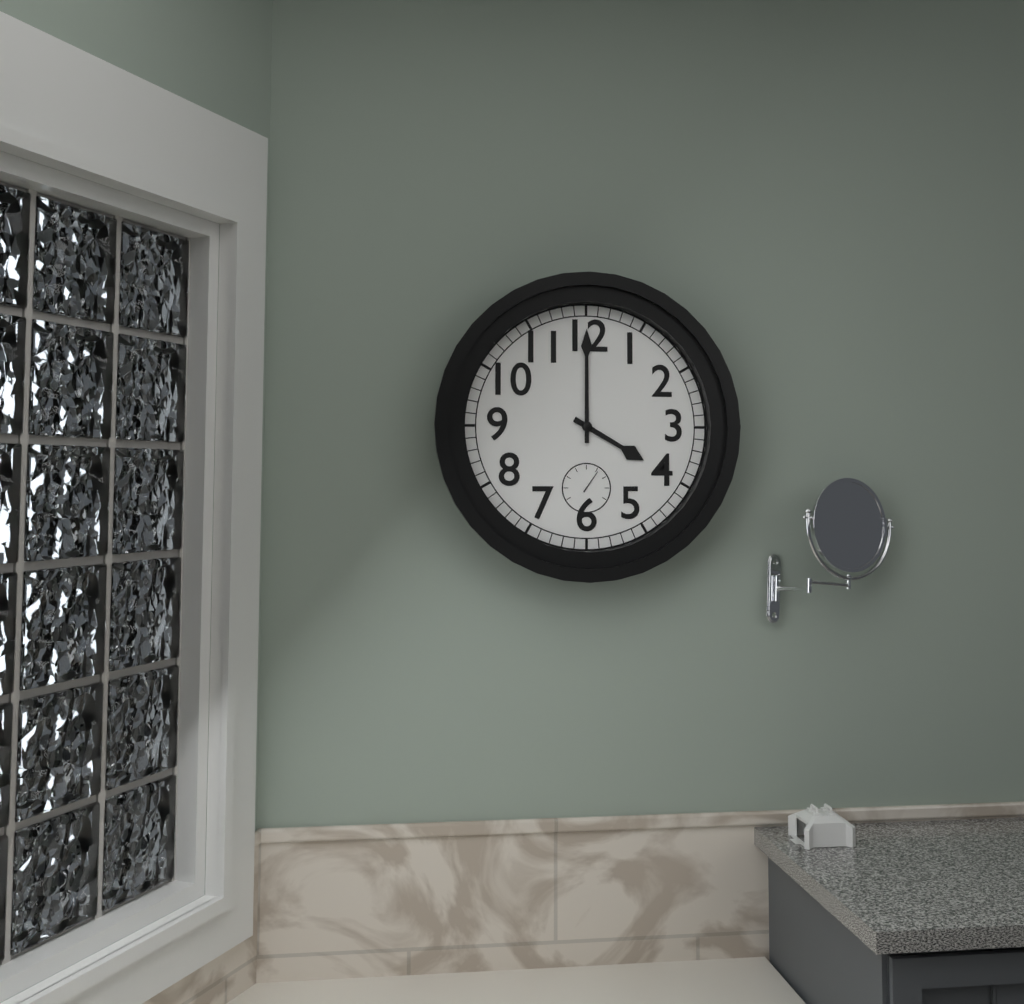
4:00
